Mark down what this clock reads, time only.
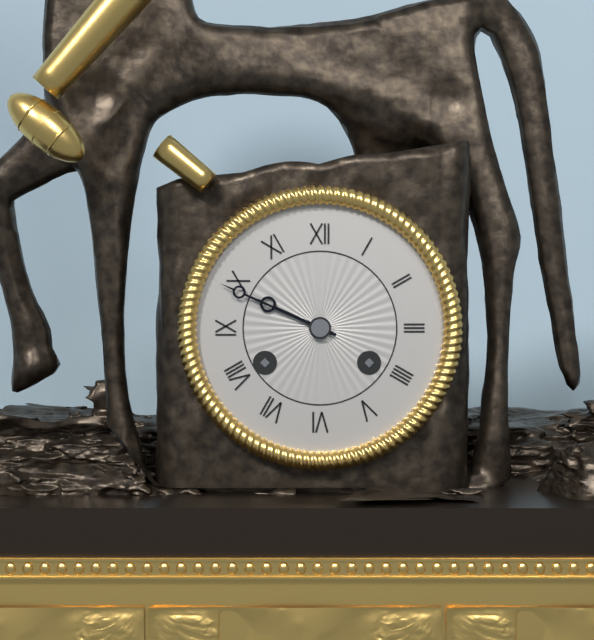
9:49
